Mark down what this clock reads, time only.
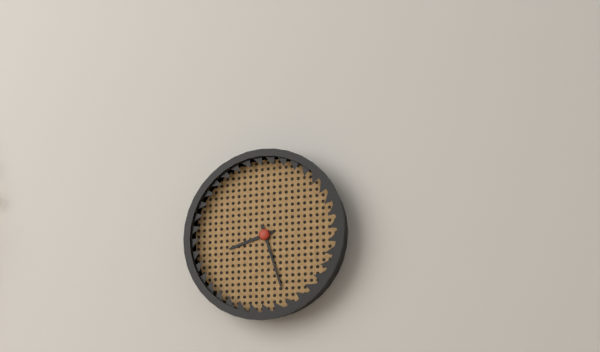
8:27
